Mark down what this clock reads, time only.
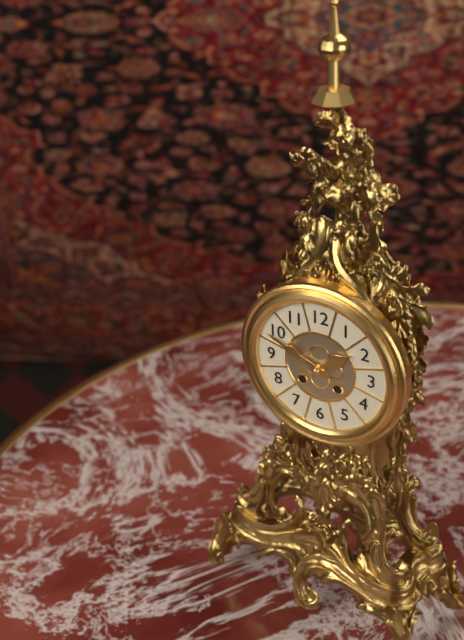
1:49
